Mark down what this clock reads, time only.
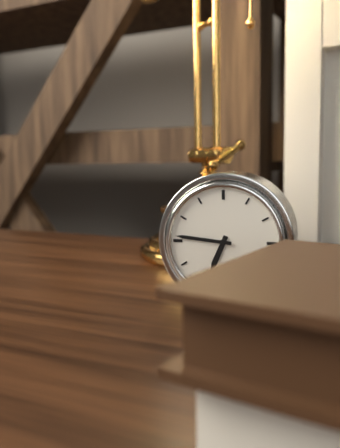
6:46
